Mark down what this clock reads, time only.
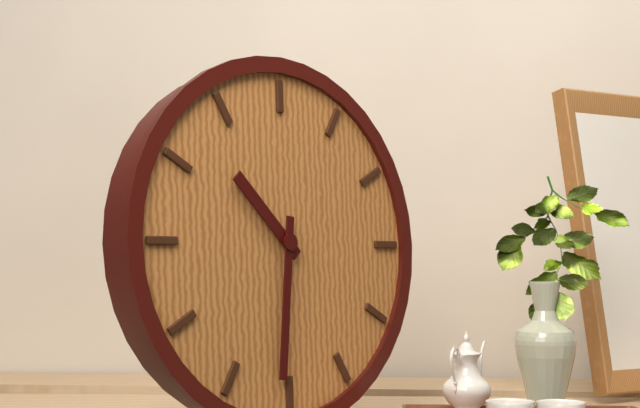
10:31
